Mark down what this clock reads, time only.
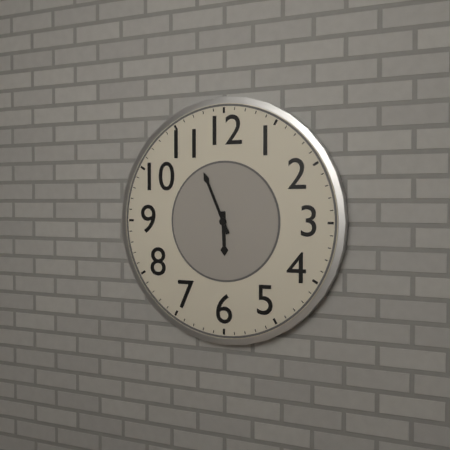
5:56
